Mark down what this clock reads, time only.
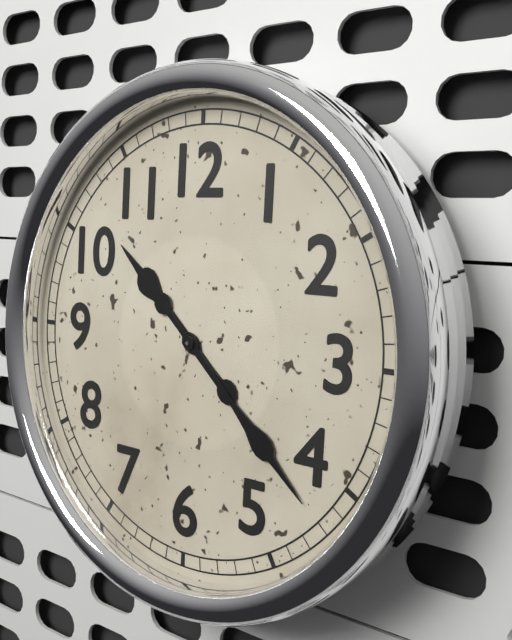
10:22
